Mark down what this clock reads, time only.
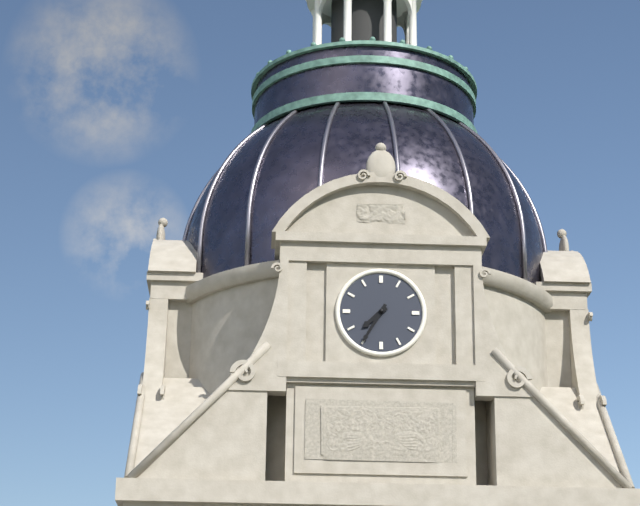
7:35
